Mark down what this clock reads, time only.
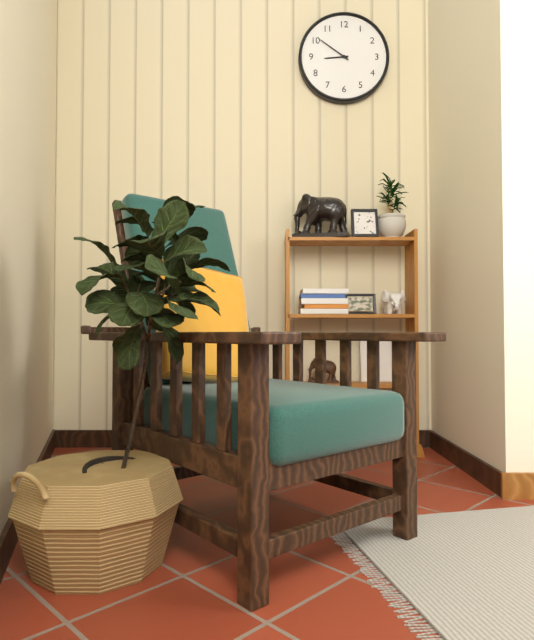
8:51
